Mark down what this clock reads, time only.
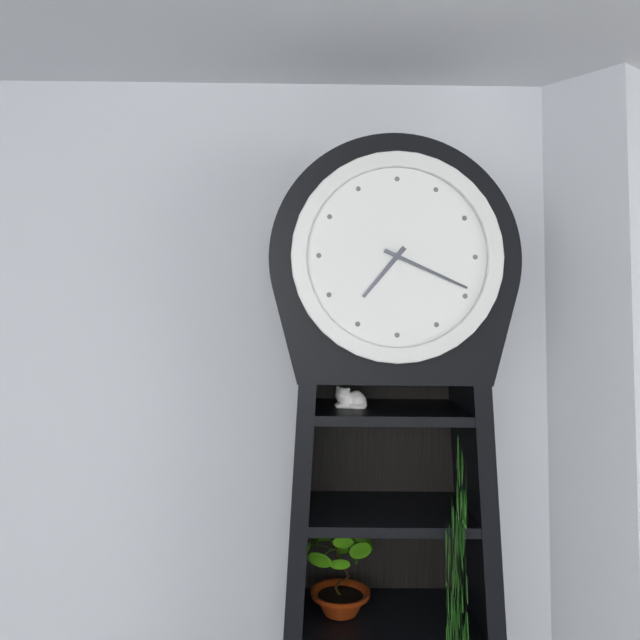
7:19
